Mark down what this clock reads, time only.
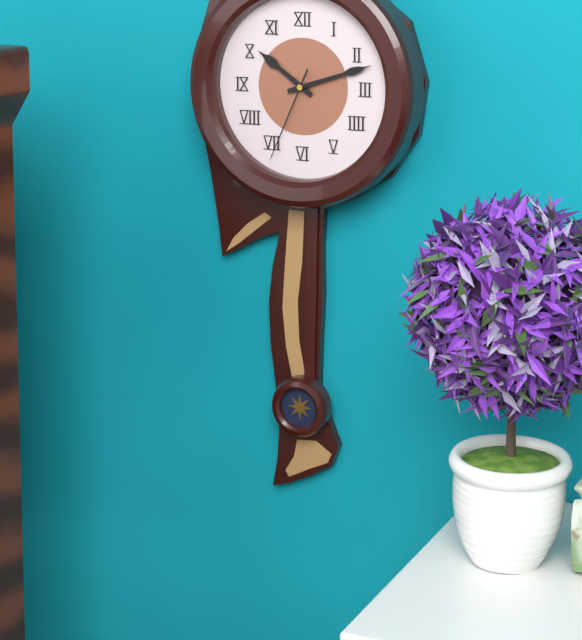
10:12:34
